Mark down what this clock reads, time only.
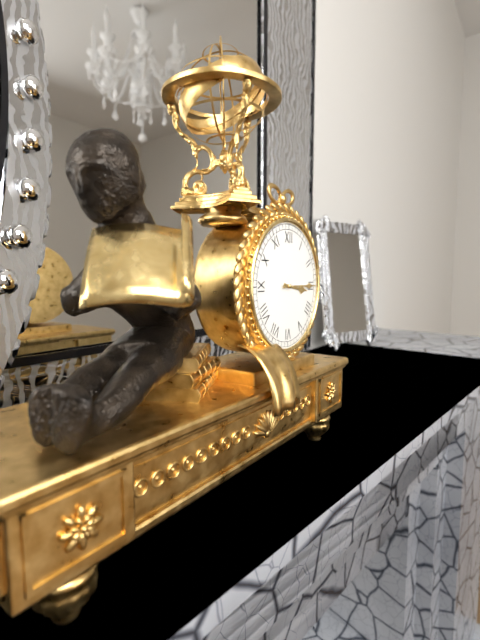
3:15
